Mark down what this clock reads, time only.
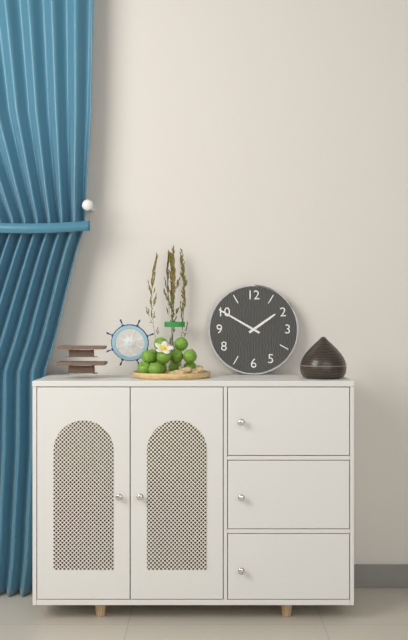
1:50
